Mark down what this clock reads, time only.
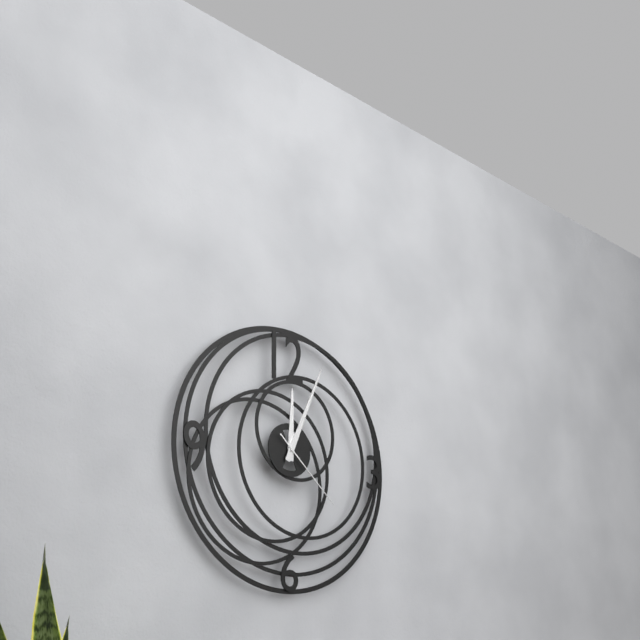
12:04:22
